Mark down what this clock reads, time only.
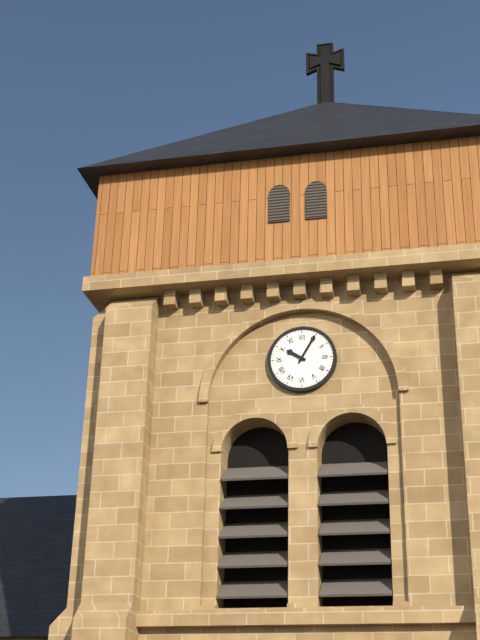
10:05
